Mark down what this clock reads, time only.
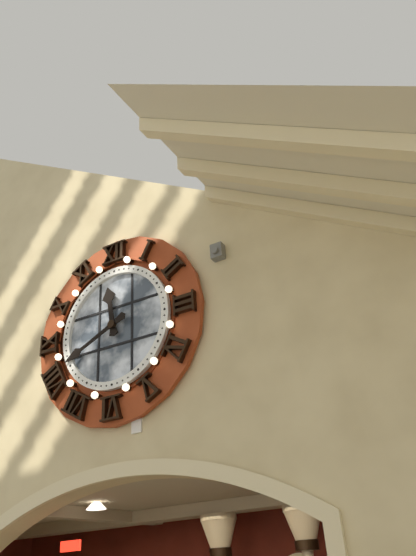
11:41
